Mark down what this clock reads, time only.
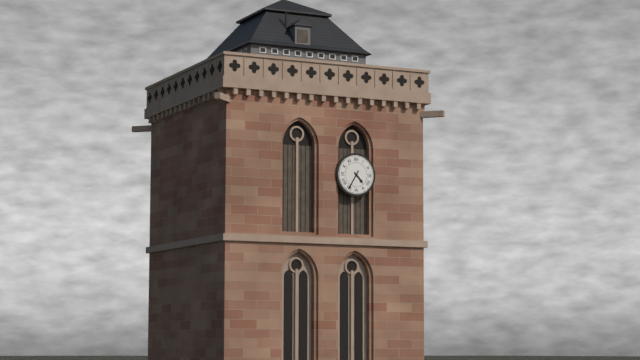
4:35
